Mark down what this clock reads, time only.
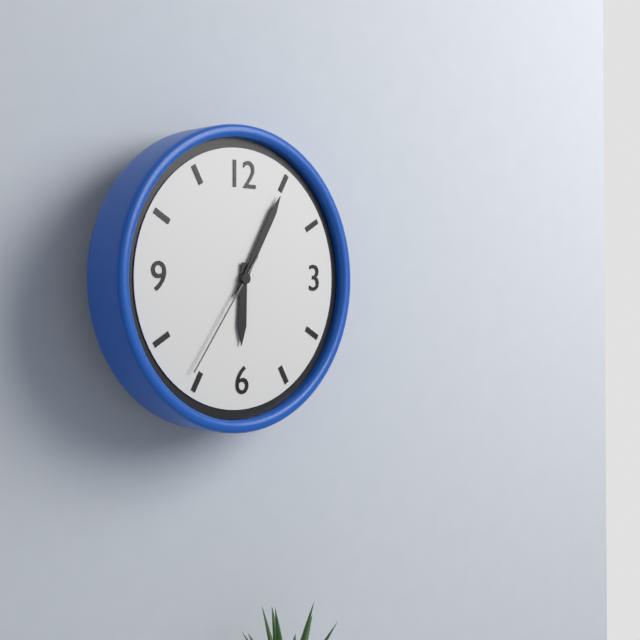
6:05:36
